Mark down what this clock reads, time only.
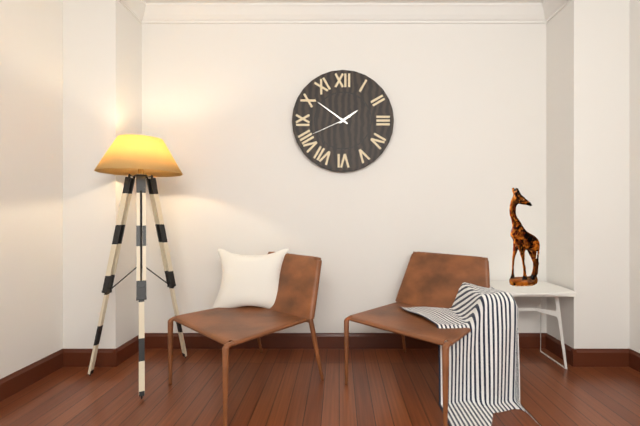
1:51
